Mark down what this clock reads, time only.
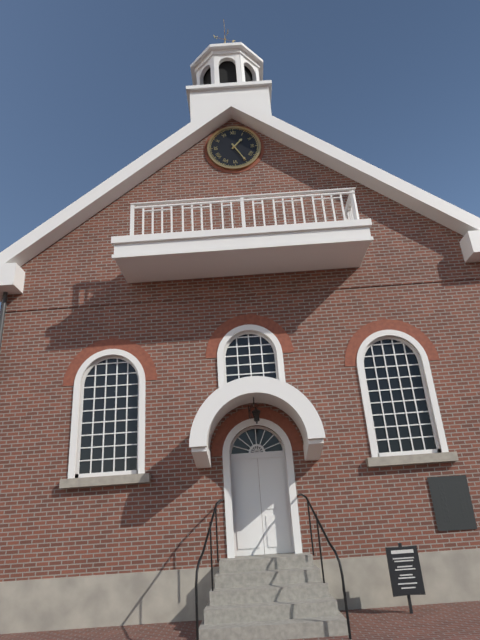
1:25
